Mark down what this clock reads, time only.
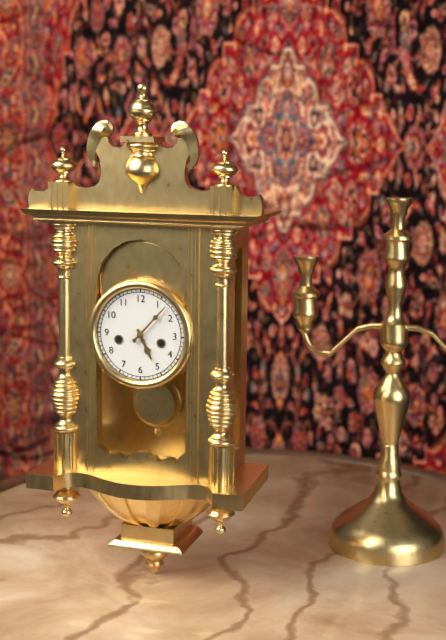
5:07
